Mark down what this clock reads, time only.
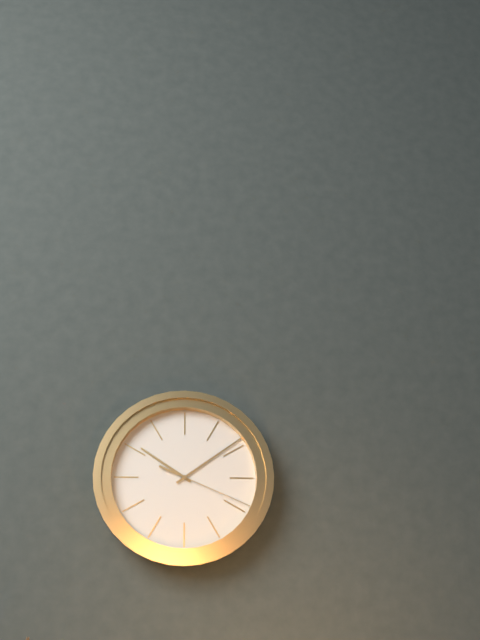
10:09:19
